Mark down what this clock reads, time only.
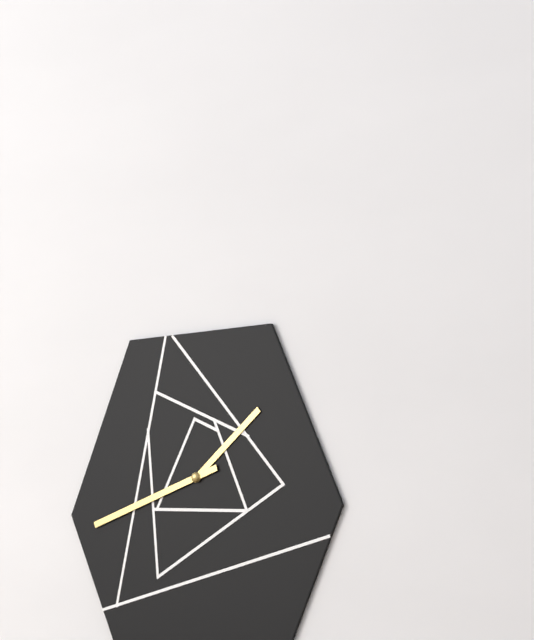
1:42
